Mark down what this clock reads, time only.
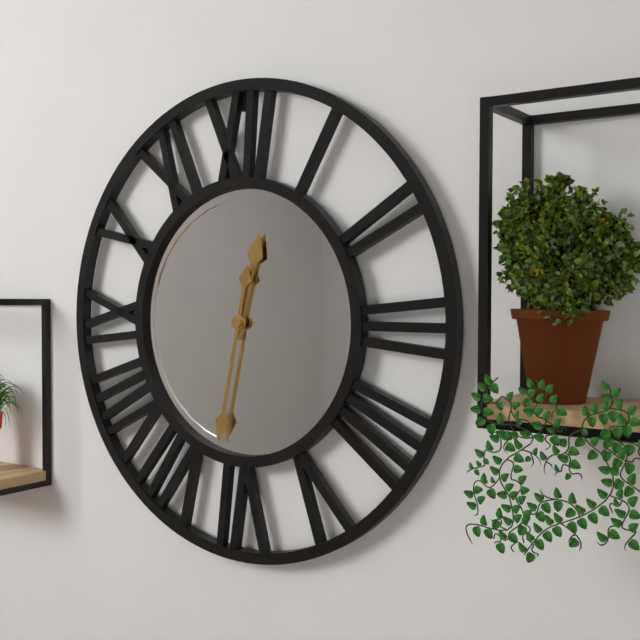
12:32
